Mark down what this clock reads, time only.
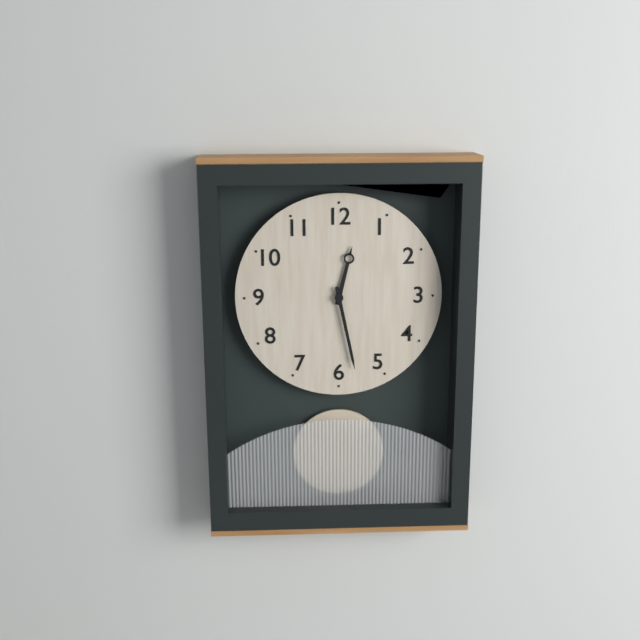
12:28
